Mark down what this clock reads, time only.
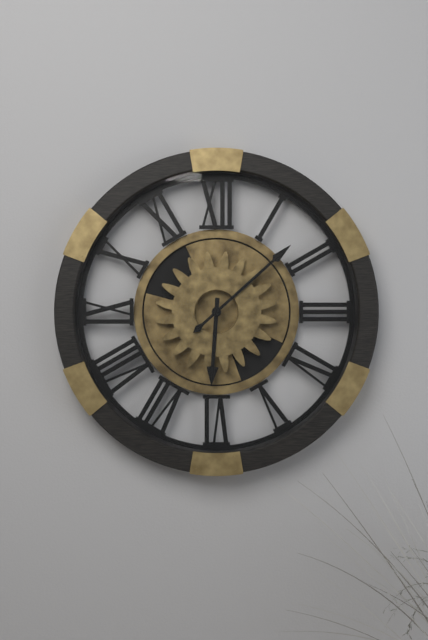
6:08
